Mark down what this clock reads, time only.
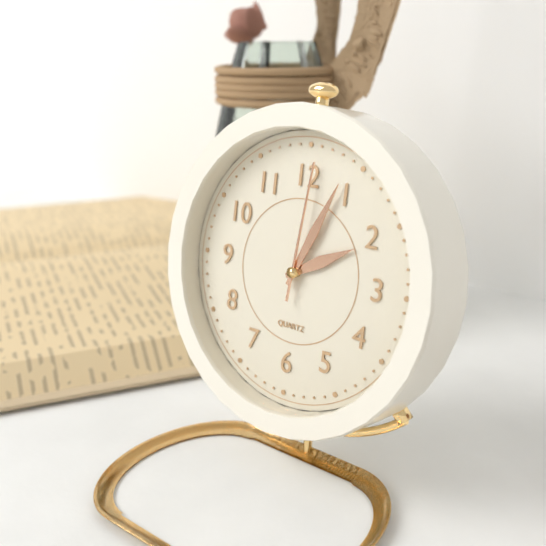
2:04:01
